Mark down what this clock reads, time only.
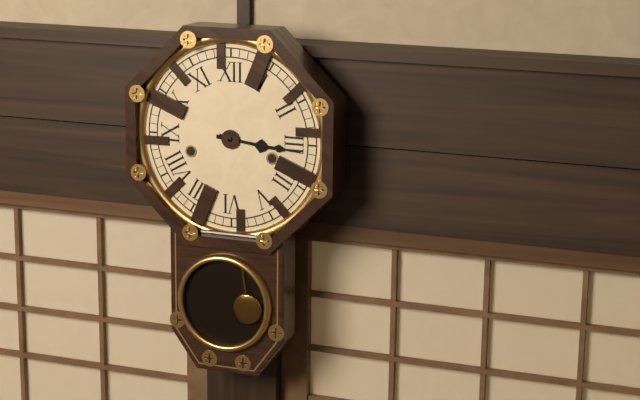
3:16
